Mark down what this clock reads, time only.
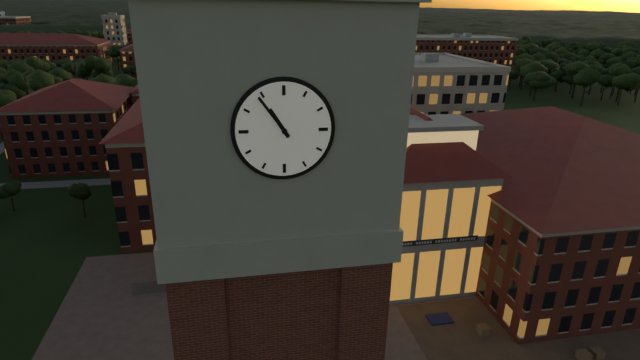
10:54
